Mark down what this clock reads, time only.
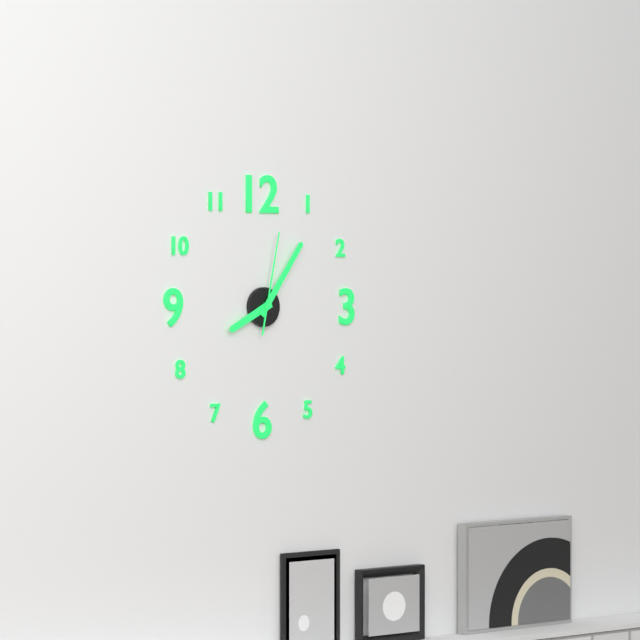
8:06:02
